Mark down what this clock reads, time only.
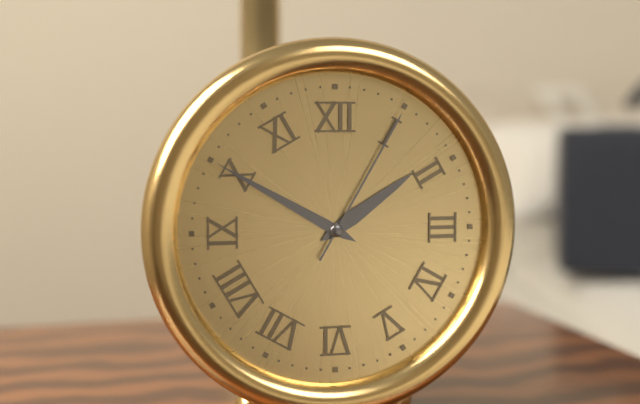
1:50:05
